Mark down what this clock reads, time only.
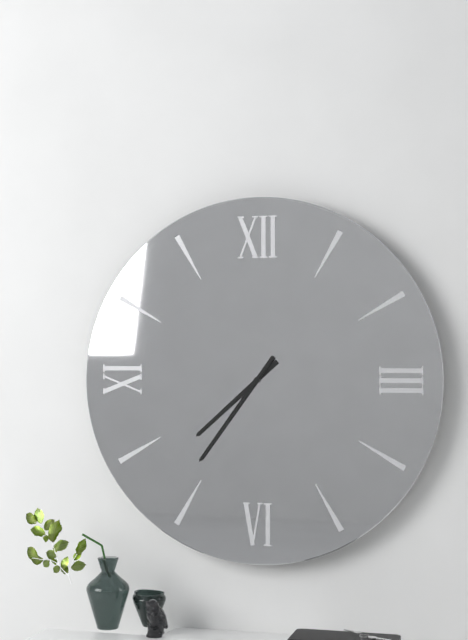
7:36
